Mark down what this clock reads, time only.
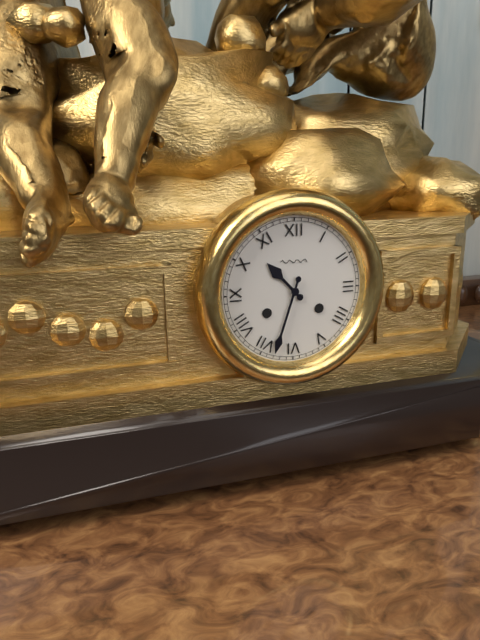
10:33
